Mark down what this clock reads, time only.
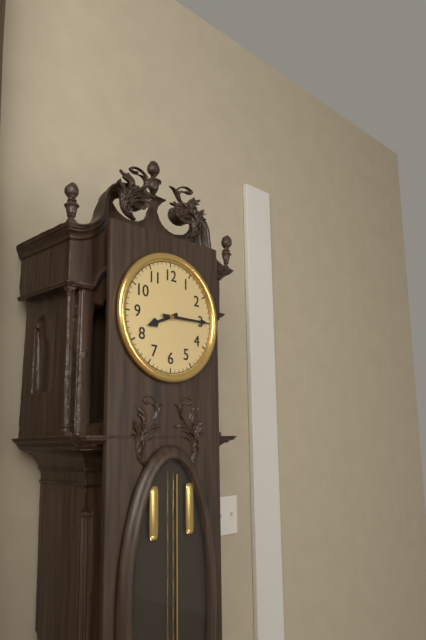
8:15
